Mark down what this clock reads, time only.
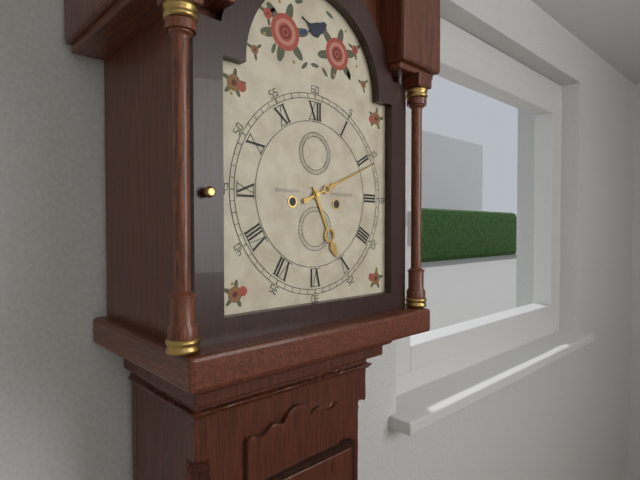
5:11
